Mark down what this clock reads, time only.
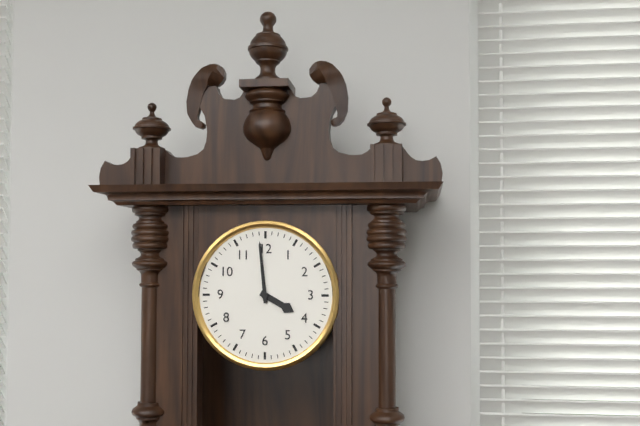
3:59
